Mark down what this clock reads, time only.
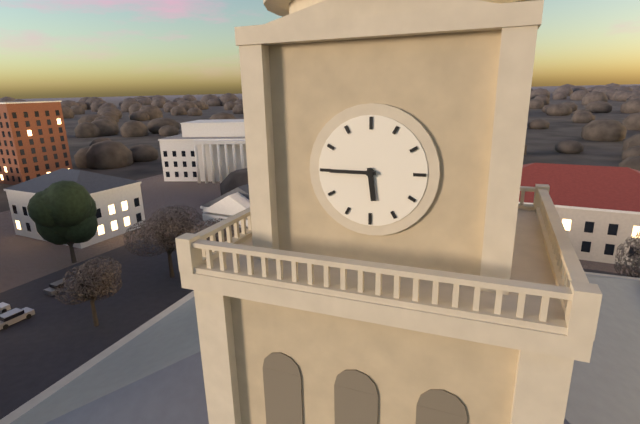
5:45
